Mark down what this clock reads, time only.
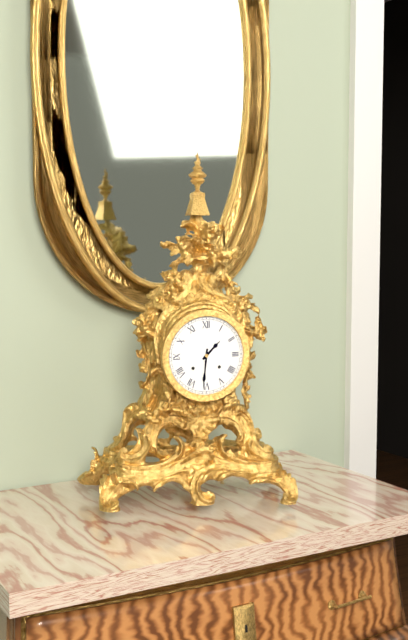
1:31
